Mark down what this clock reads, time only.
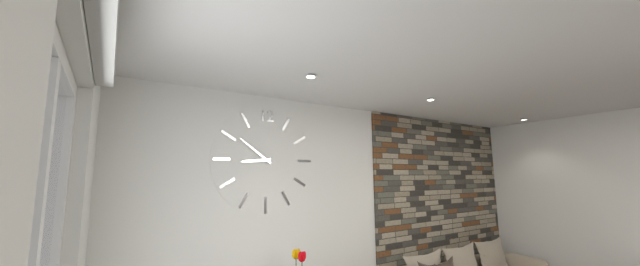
8:51
